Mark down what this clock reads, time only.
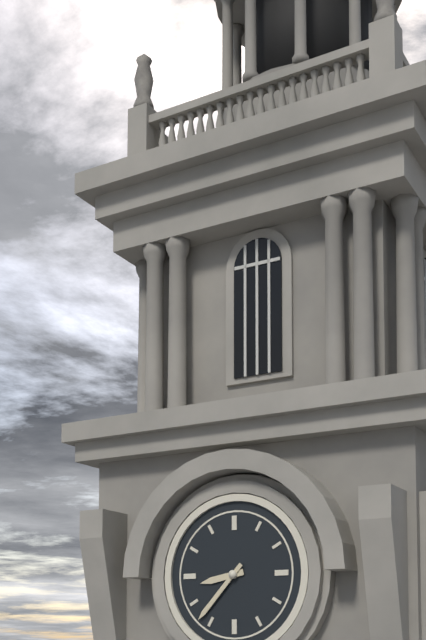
8:37
